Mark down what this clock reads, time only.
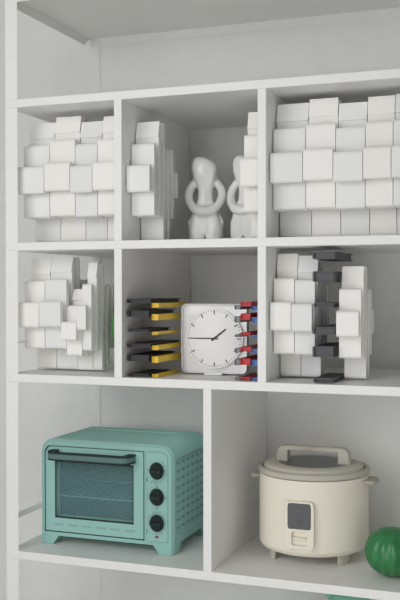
1:45
